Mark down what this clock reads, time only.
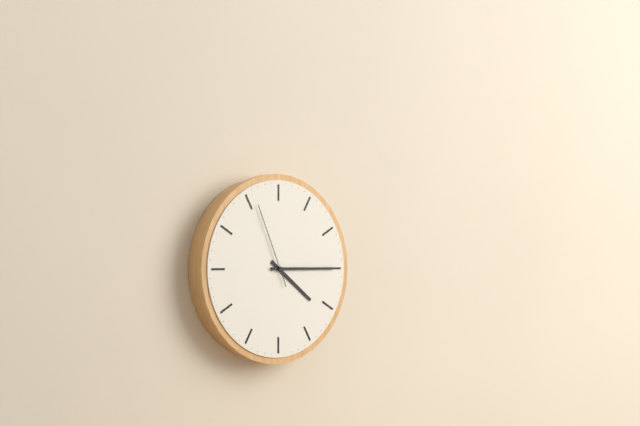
4:15:56
